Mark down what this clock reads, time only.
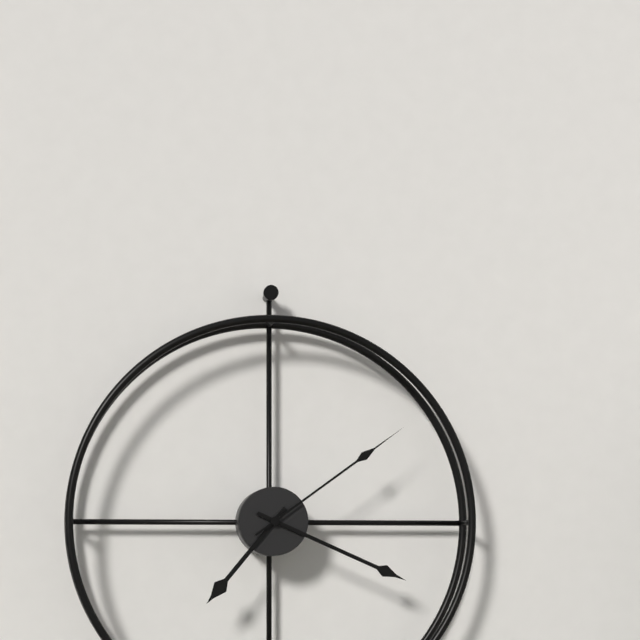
7:19:09
